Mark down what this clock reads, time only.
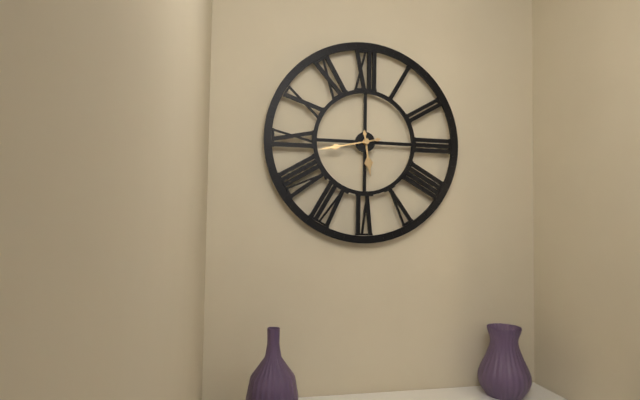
5:43
